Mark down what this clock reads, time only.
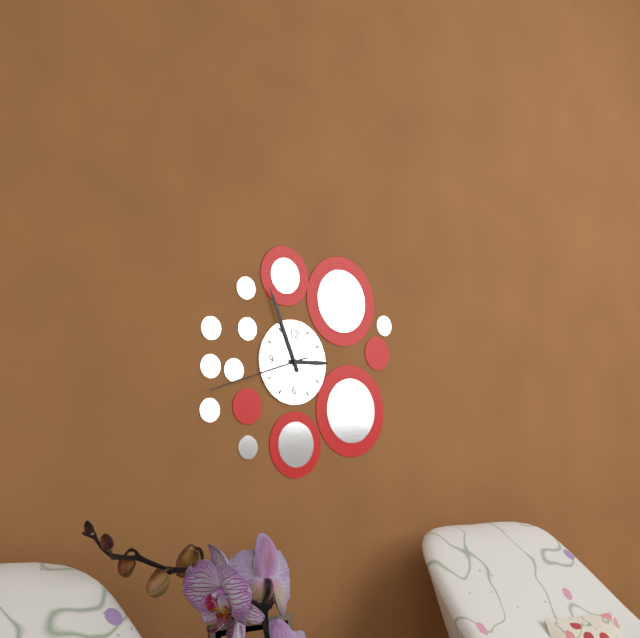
2:56:42
